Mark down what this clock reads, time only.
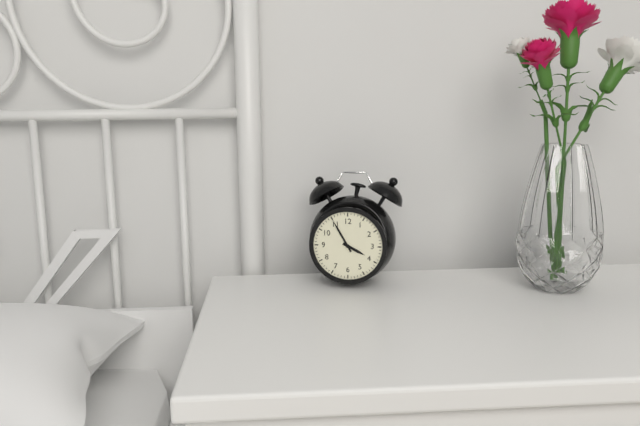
3:55
